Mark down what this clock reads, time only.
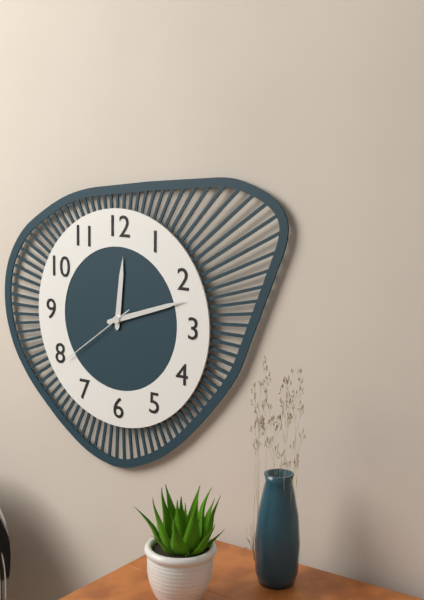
12:12:39
